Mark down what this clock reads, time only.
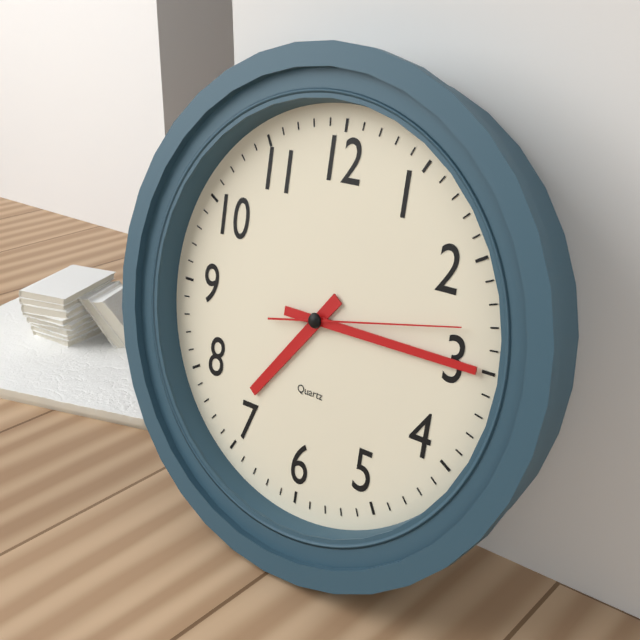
7:15:13
